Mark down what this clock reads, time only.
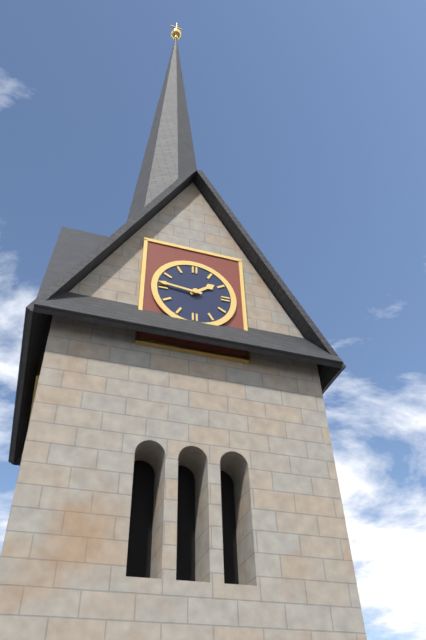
1:46
